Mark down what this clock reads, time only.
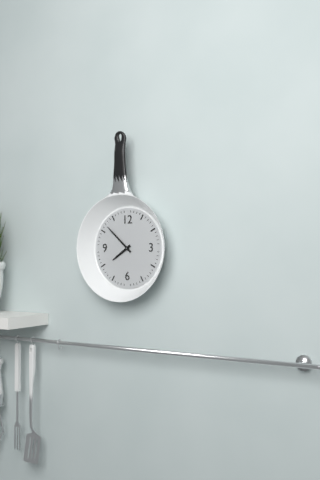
7:52
